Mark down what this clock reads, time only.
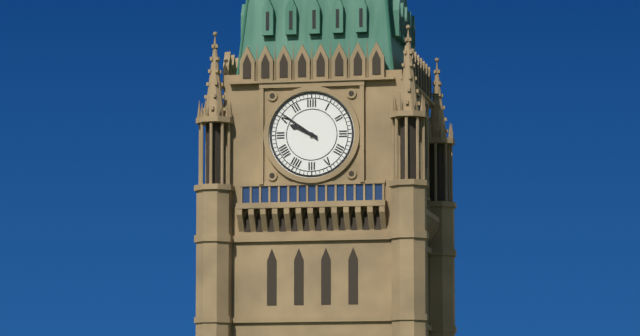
9:51
